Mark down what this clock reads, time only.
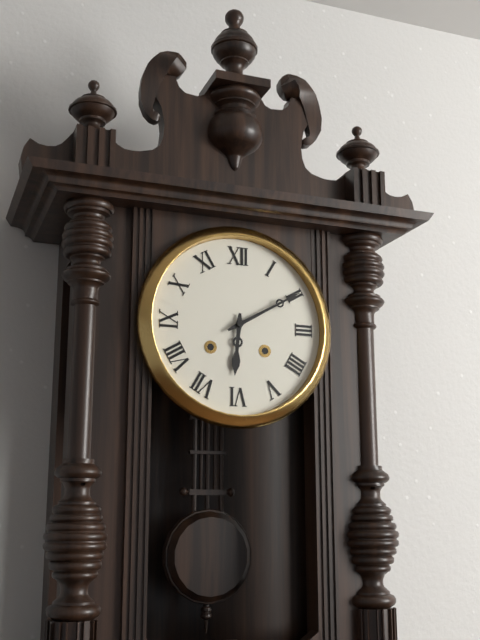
6:10
